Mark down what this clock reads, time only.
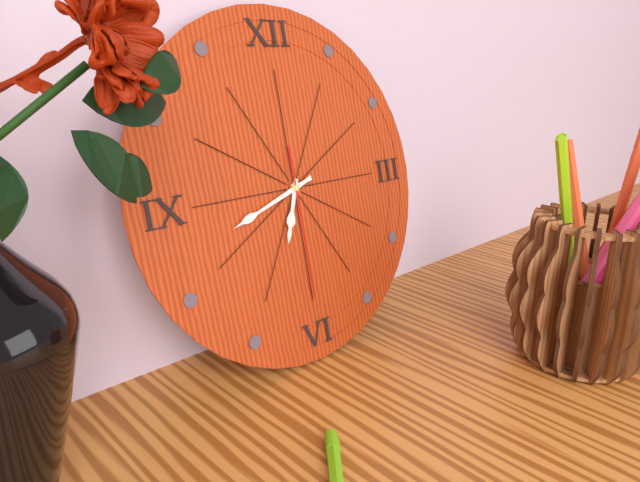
6:42:30
